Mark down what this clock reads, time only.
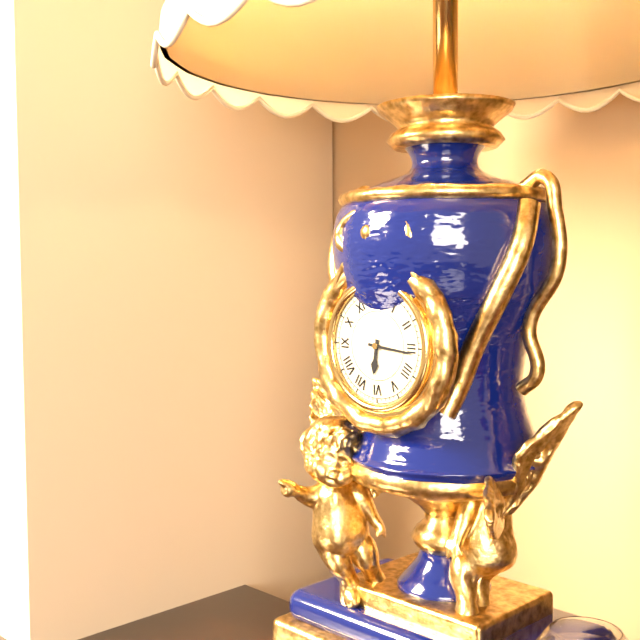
6:16
